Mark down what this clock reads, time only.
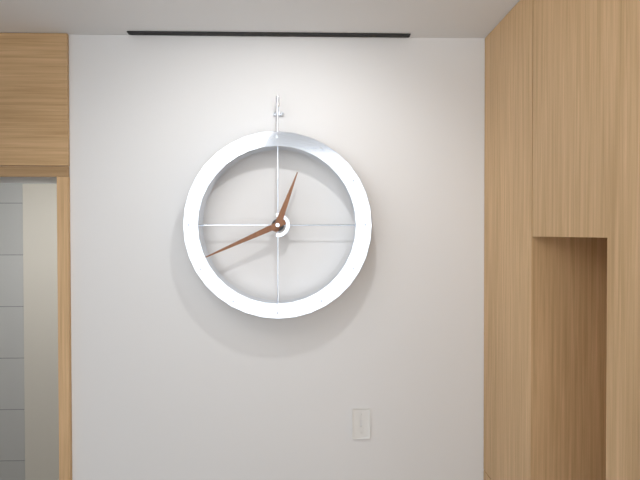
12:41
